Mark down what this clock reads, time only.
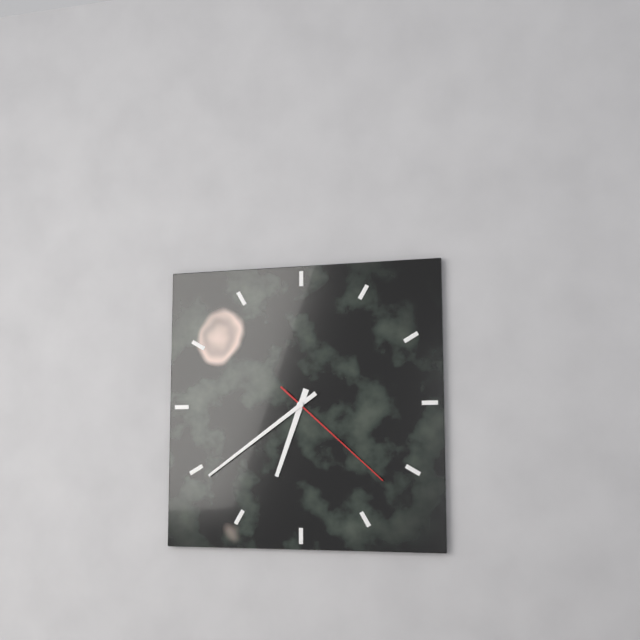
6:39:22
